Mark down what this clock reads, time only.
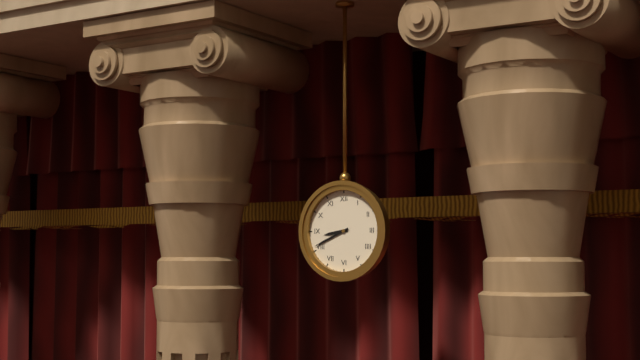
8:41
